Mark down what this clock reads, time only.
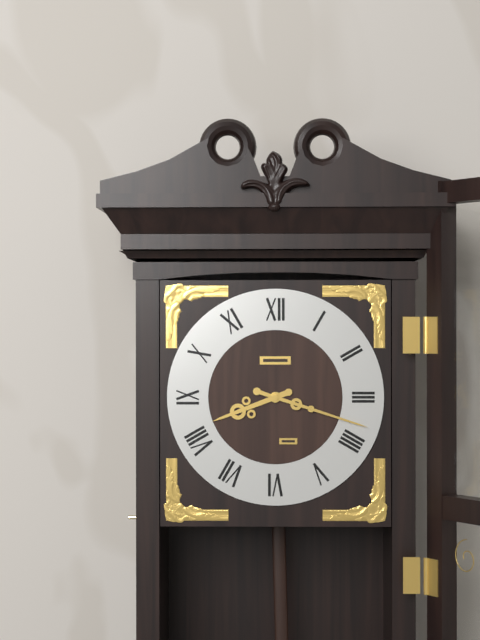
8:18
